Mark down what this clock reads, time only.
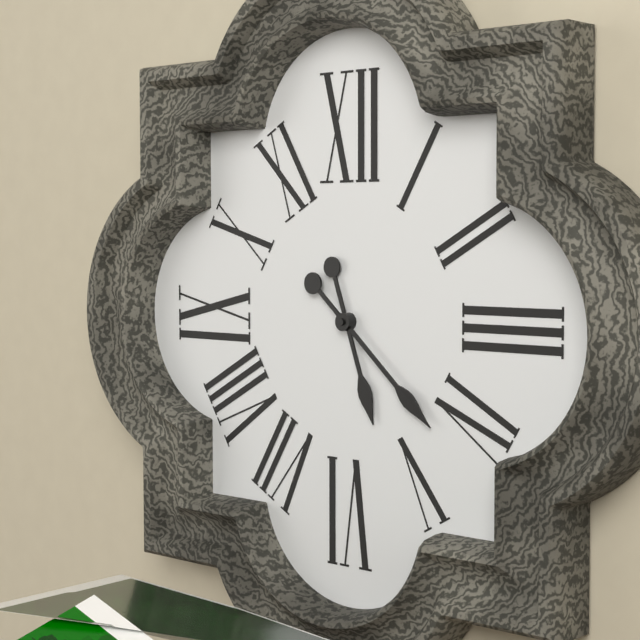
5:22
